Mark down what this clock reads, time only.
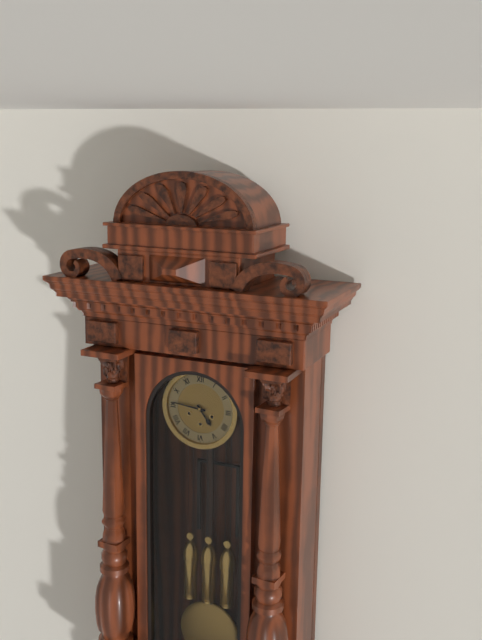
4:46
